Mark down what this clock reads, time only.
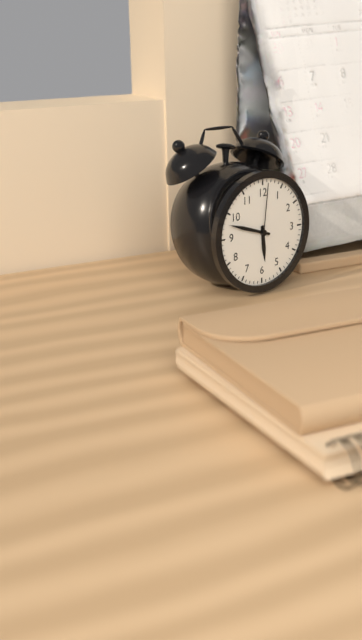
5:48:01
